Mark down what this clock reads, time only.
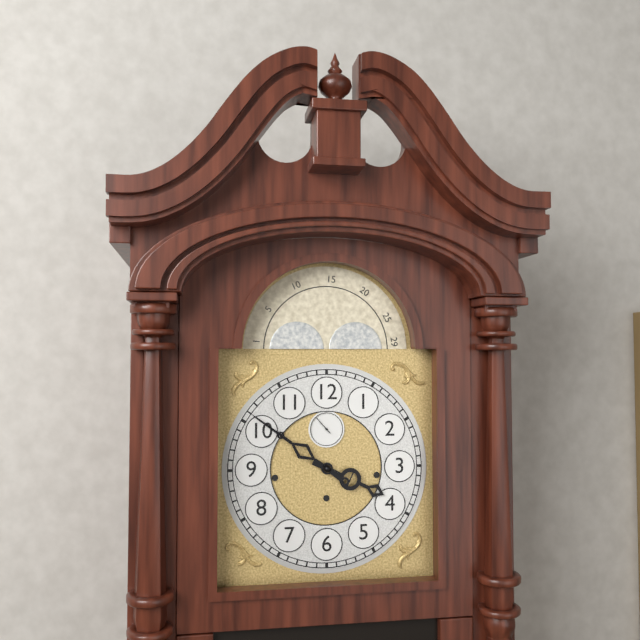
3:51
